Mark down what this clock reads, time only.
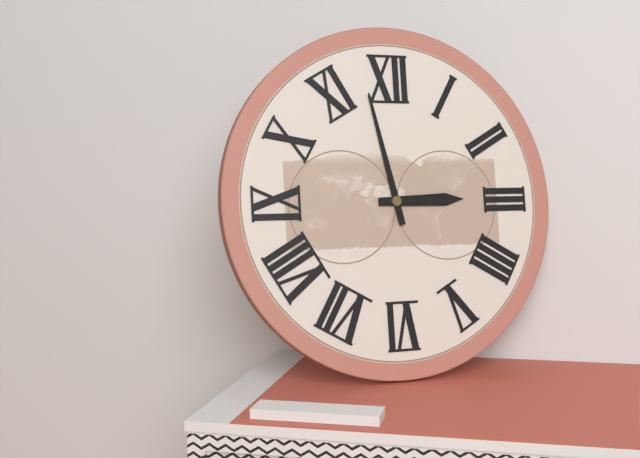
2:58
